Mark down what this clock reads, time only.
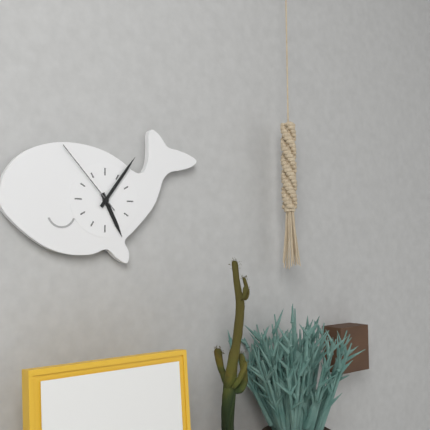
5:06:53
